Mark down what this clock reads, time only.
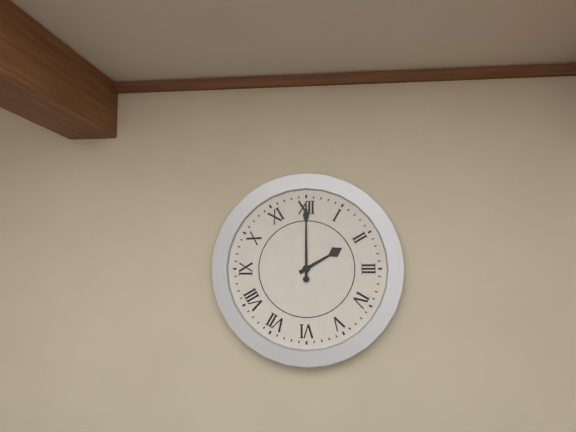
2:00
